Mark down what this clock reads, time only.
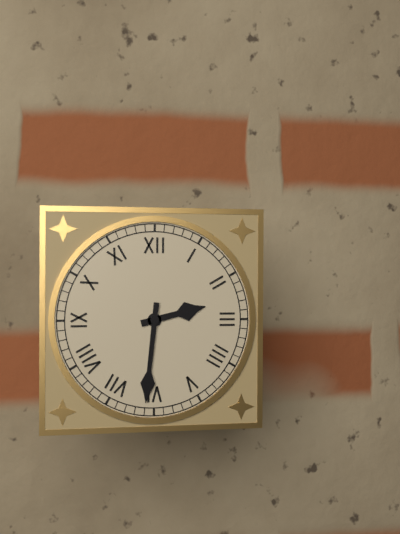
2:31
